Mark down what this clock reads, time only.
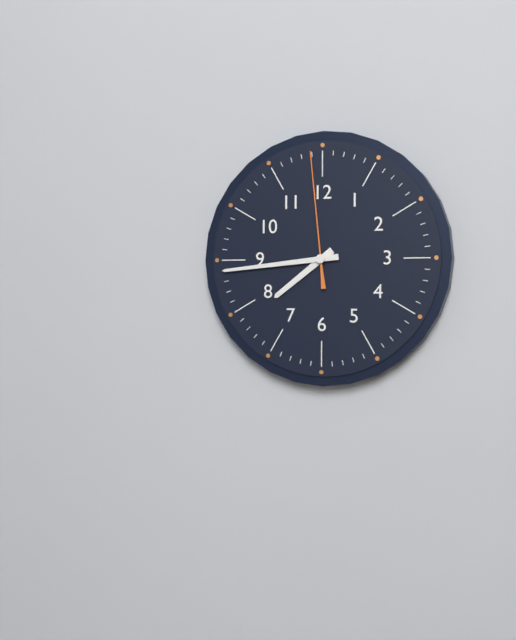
7:44:59
